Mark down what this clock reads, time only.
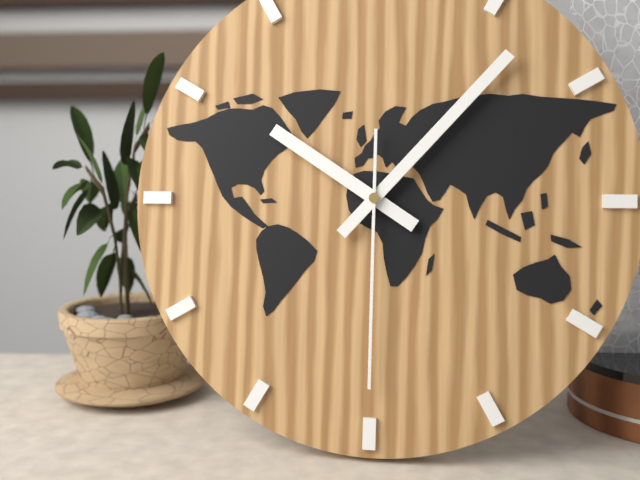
10:07:30
